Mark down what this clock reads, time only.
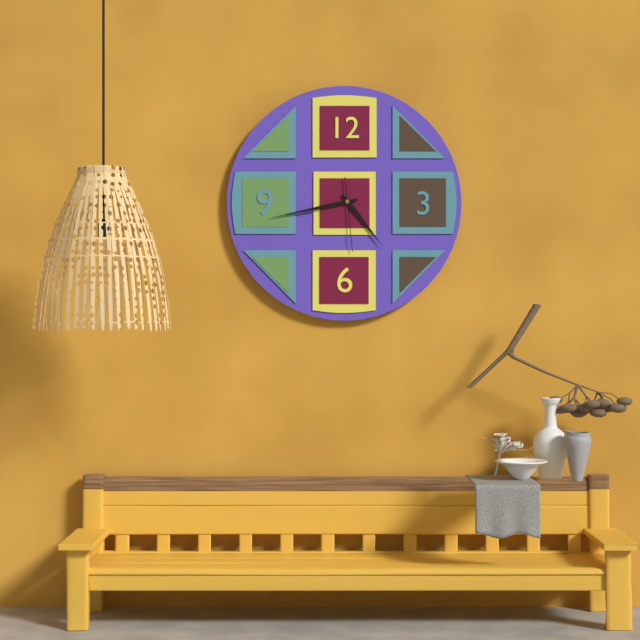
4:43:29
